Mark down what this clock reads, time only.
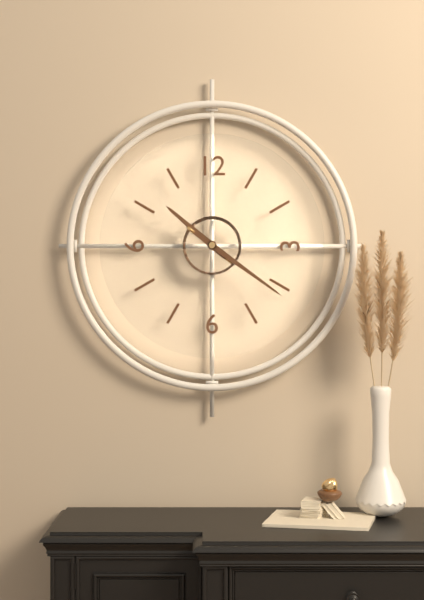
10:21
